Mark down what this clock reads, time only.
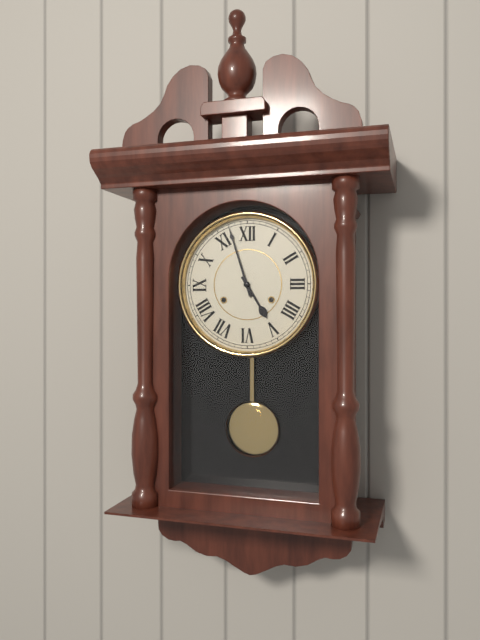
4:57
